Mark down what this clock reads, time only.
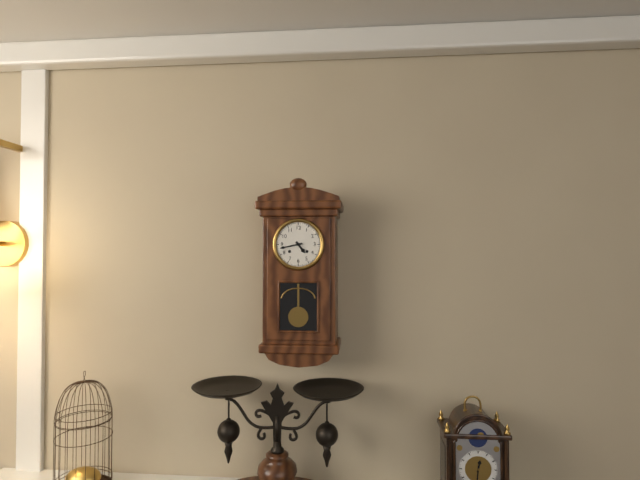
4:43
